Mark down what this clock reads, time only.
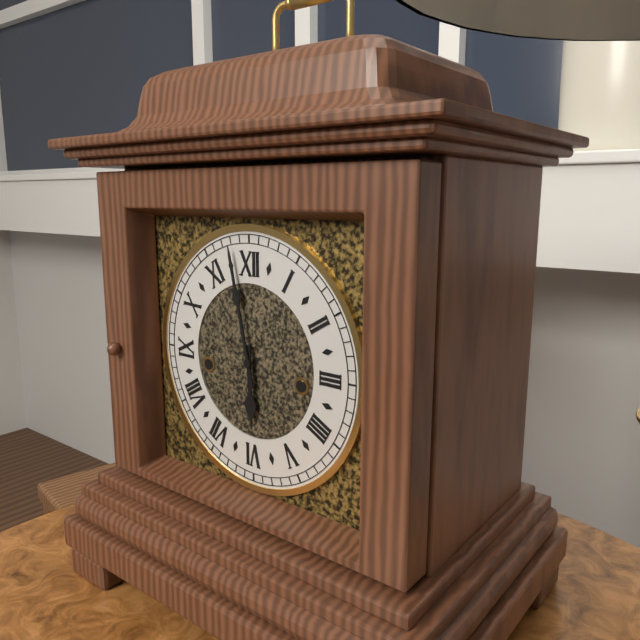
5:58
